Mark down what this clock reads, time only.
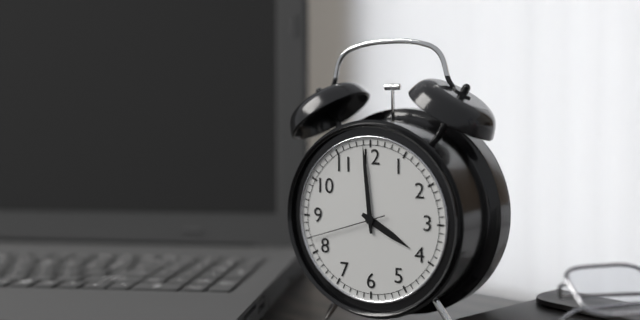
3:59:42
